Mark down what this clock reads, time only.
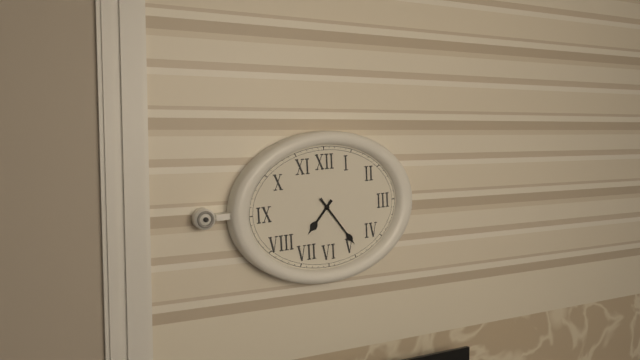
7:24
